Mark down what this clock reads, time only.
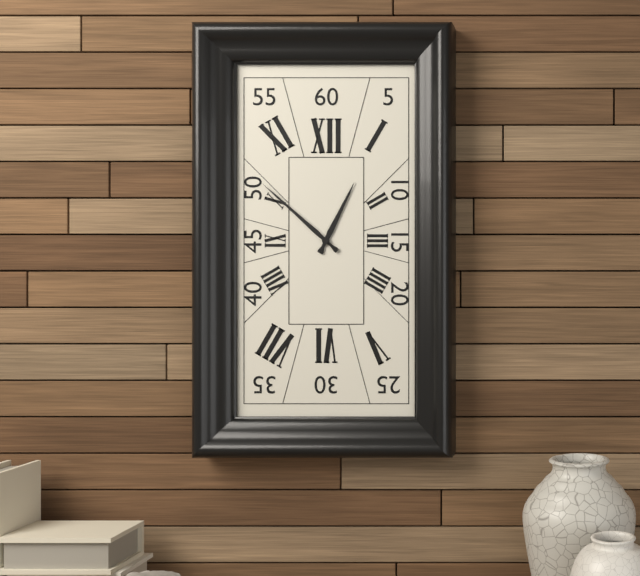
12:52
